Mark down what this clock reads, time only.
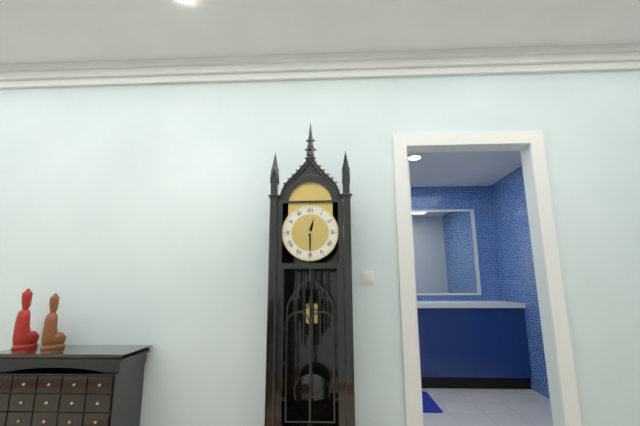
12:30
